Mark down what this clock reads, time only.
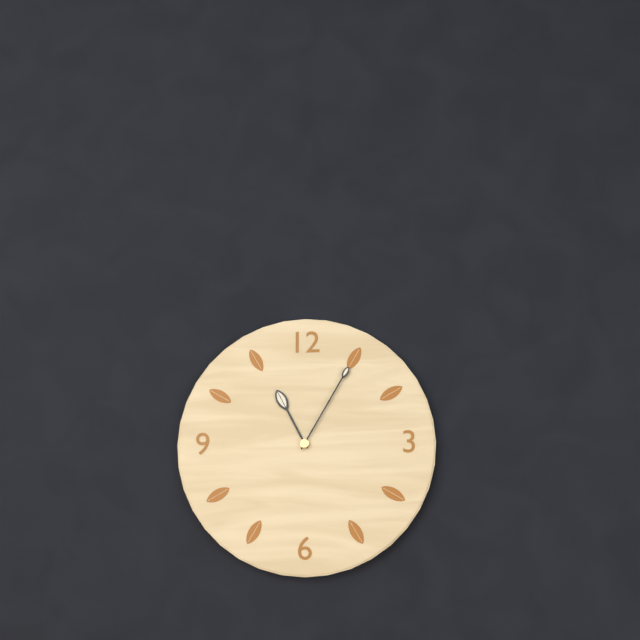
11:05
